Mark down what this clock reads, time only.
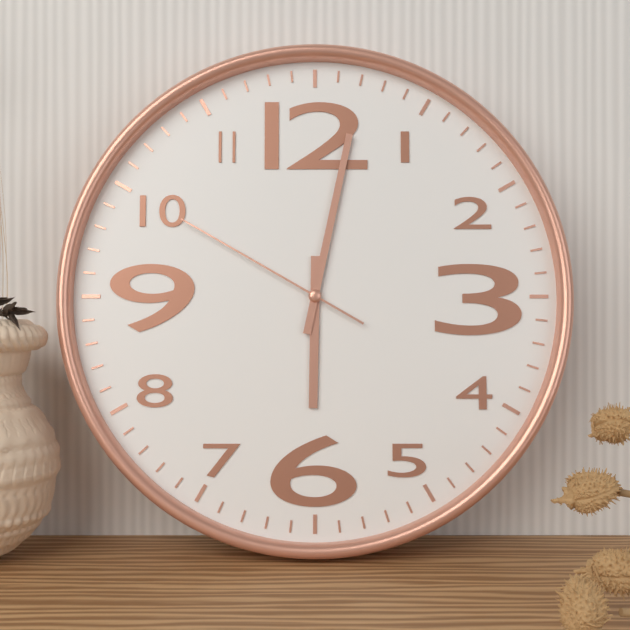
6:02:50
